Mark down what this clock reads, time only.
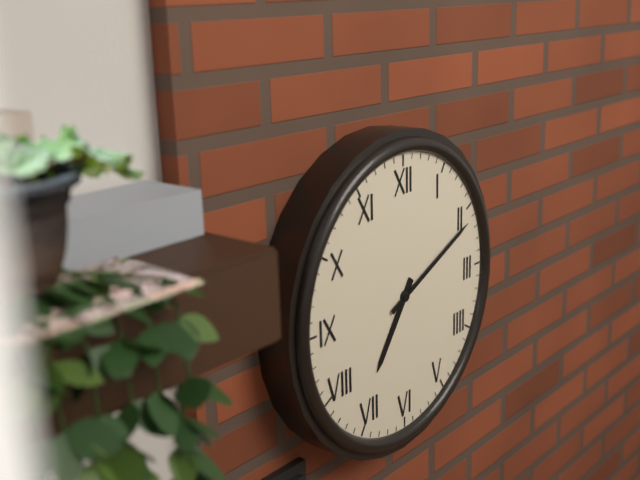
7:11
